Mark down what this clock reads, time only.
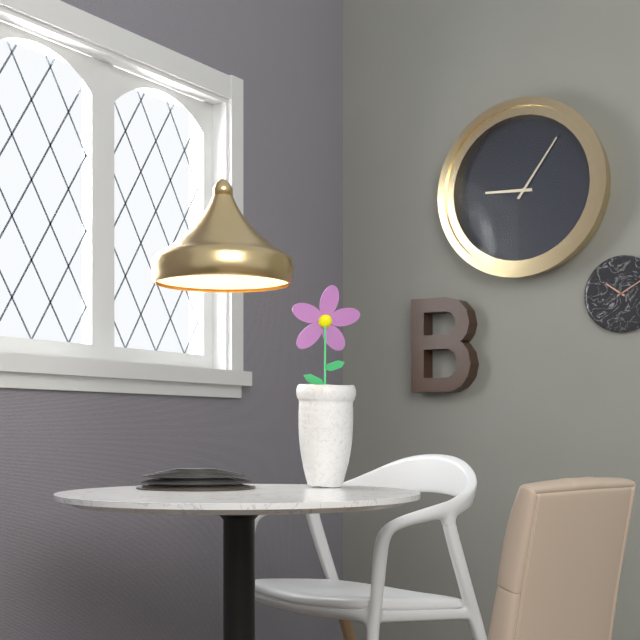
9:06
